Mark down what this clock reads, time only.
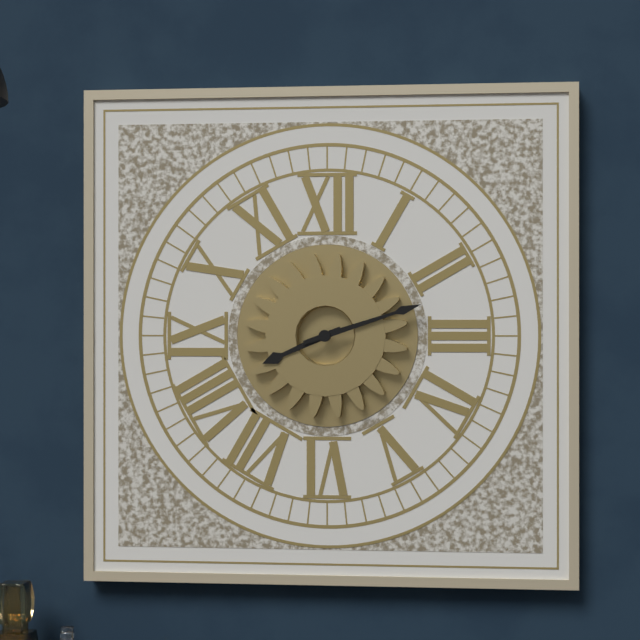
8:12
